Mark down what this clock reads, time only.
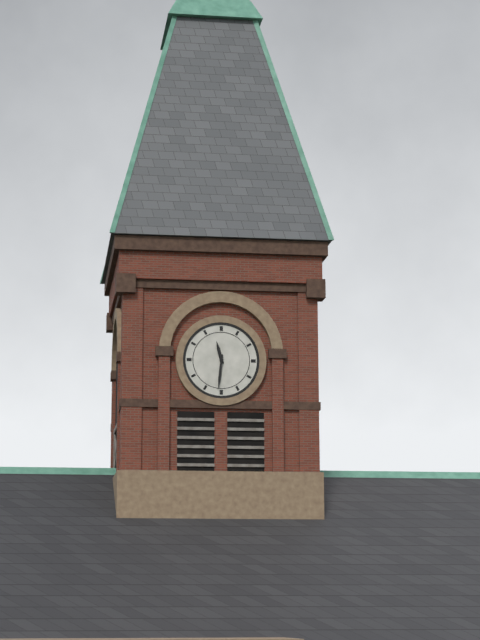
11:31
